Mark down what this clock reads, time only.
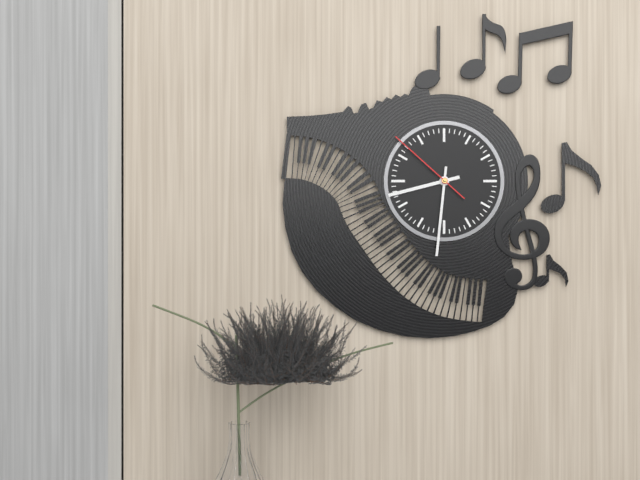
8:31:52
